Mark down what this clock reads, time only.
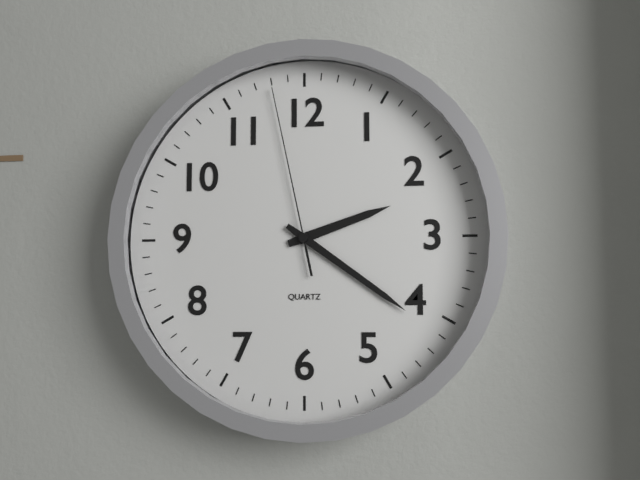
2:21:58
